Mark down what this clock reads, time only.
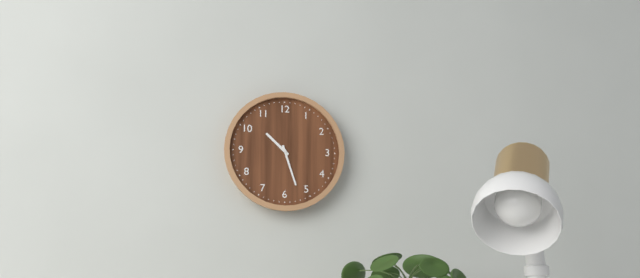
10:27
